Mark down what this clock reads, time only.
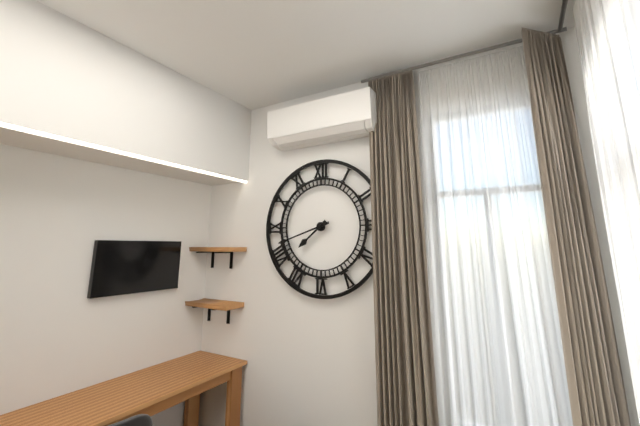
7:42
